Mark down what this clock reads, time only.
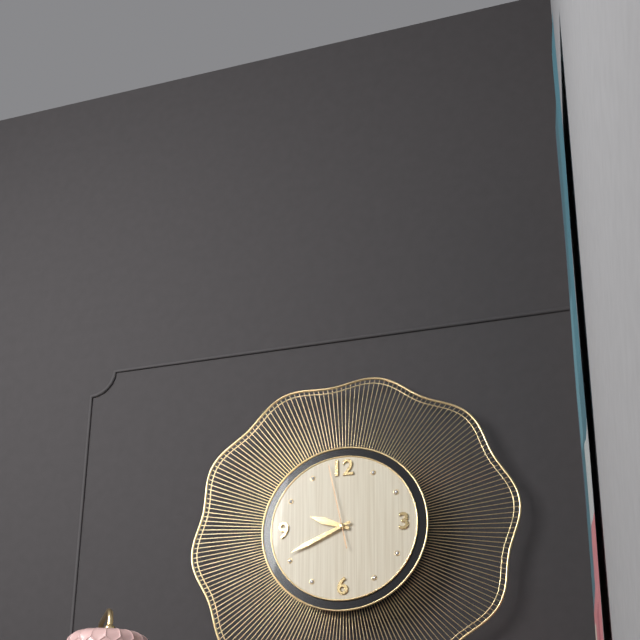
9:41:58
